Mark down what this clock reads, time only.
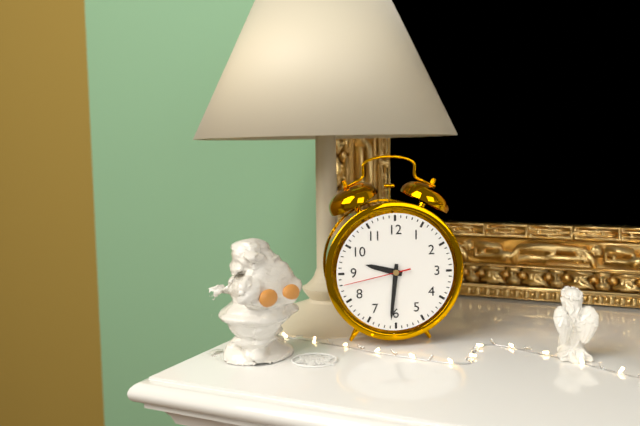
9:31:43
